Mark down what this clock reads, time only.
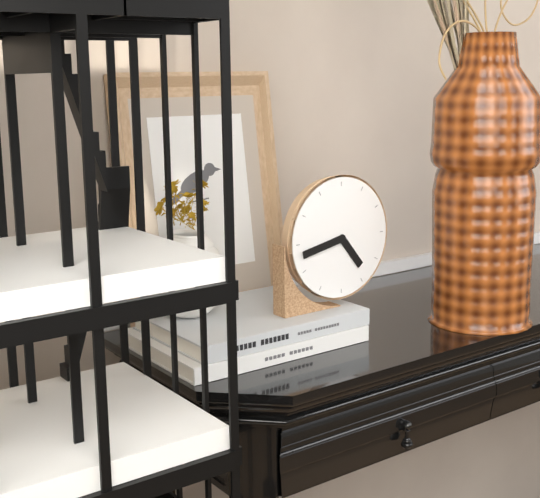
4:43
